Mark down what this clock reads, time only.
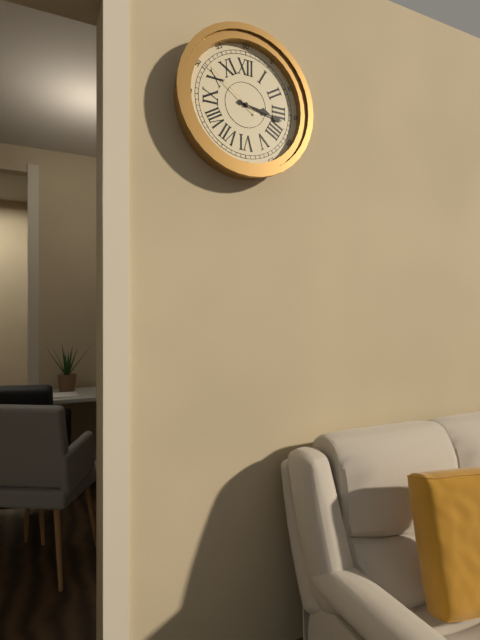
3:17:51
